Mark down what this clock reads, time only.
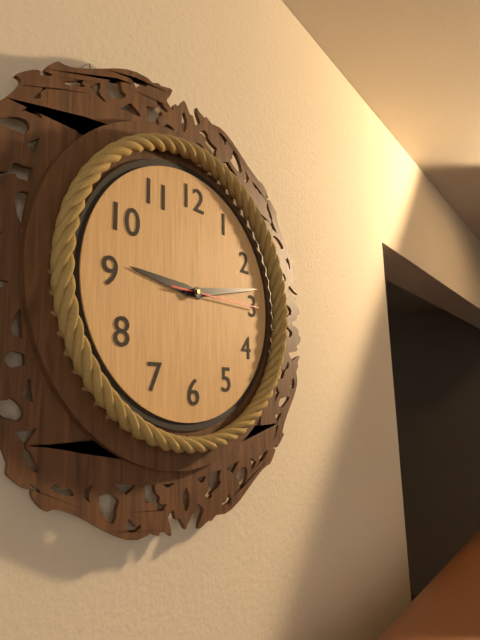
9:13:15
